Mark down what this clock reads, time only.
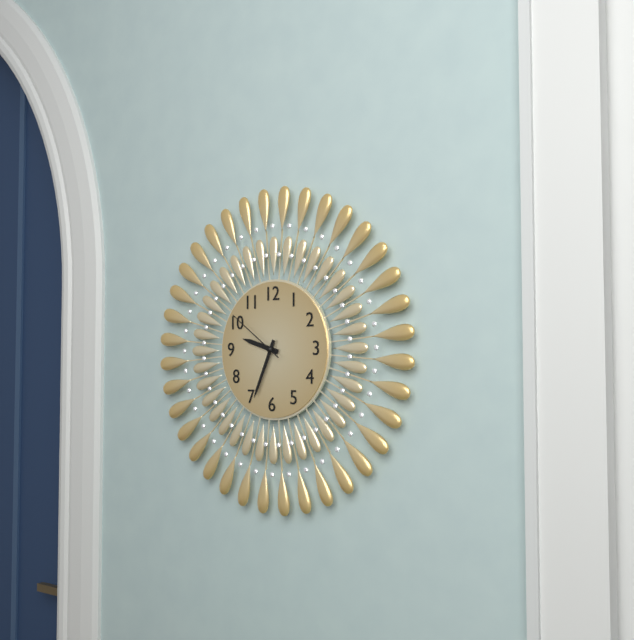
9:34:51
